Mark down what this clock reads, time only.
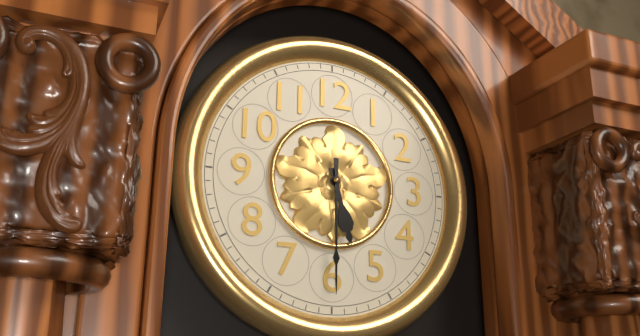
5:30
